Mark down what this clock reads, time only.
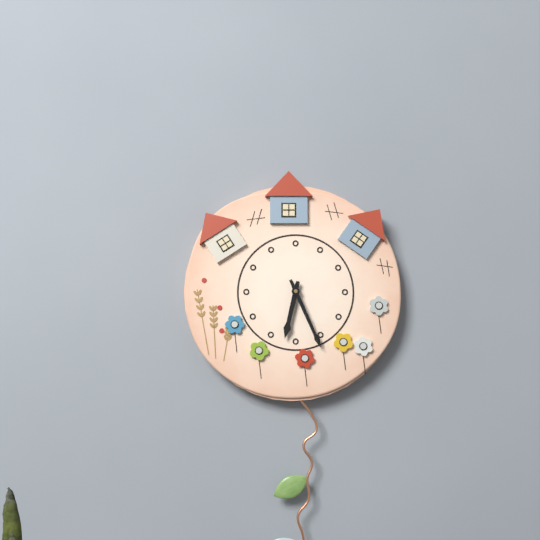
6:26
